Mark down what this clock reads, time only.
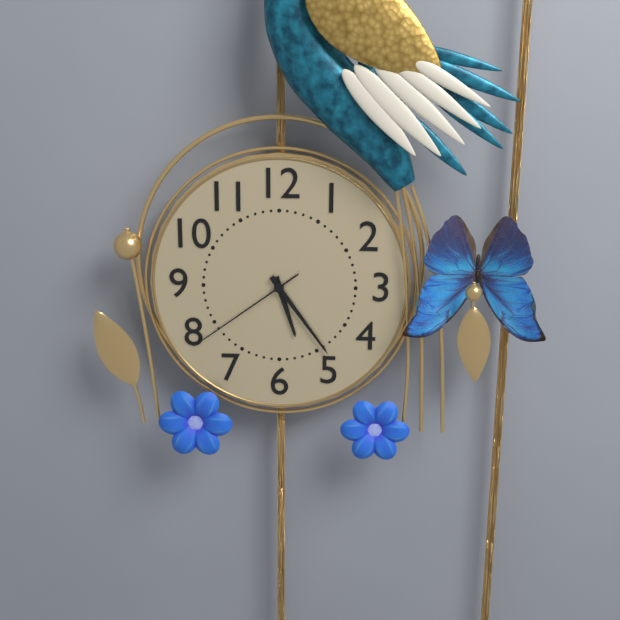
5:24:39
